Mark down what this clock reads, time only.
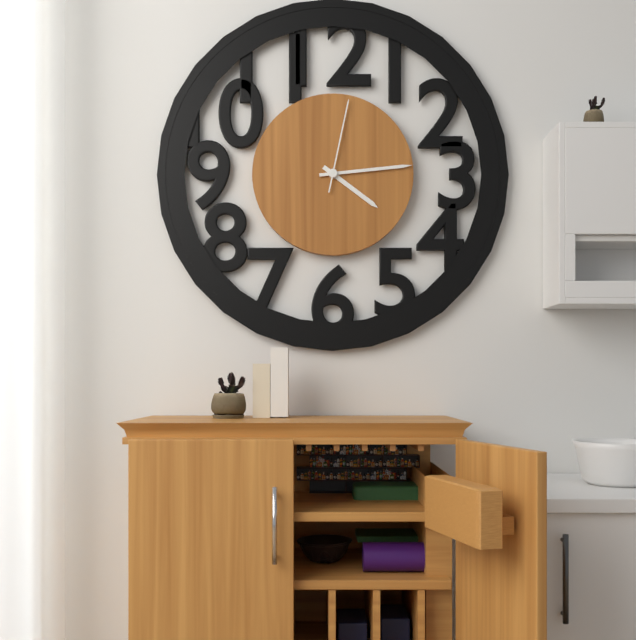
4:14:02
